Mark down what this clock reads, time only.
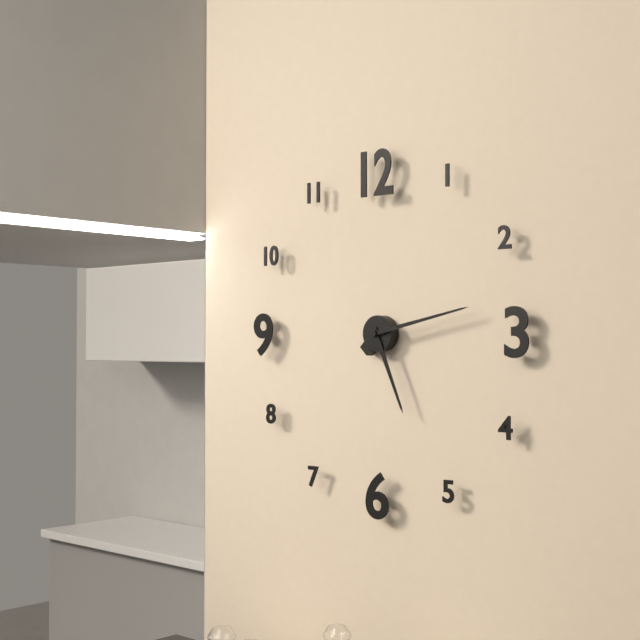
5:13
